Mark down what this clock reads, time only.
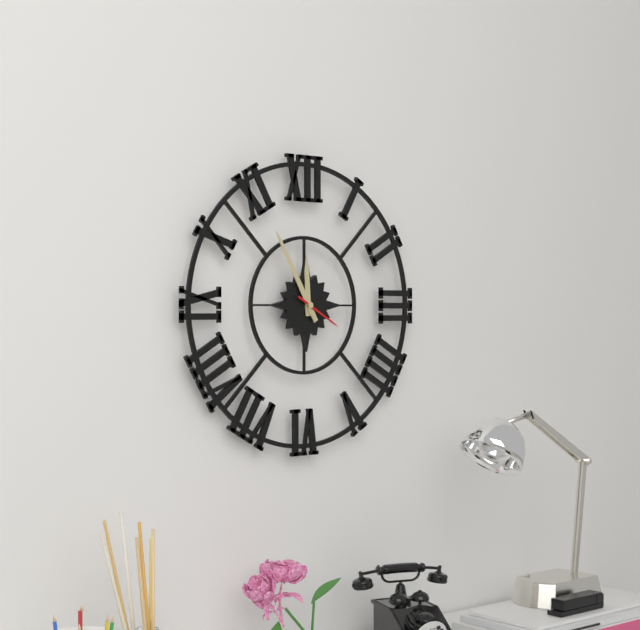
11:55:20
